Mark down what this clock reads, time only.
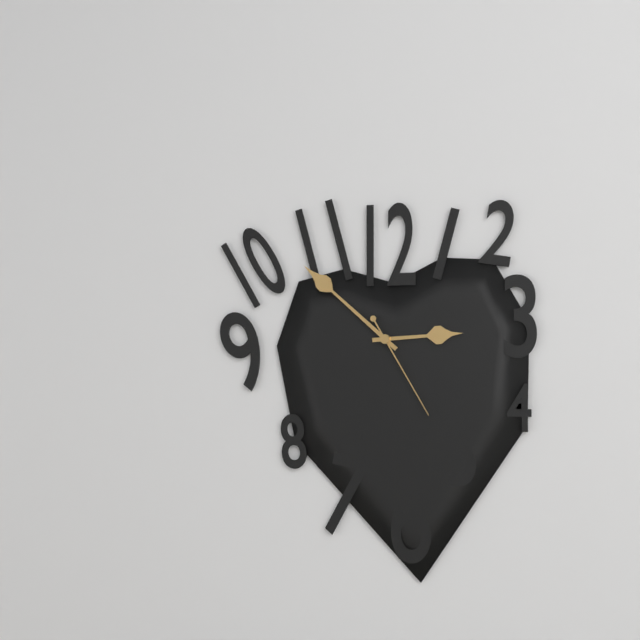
2:52:25
